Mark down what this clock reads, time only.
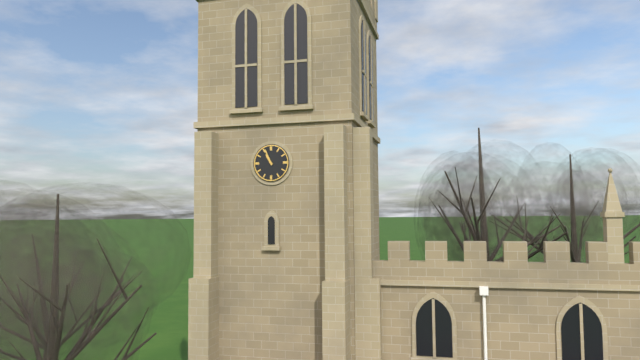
10:56
